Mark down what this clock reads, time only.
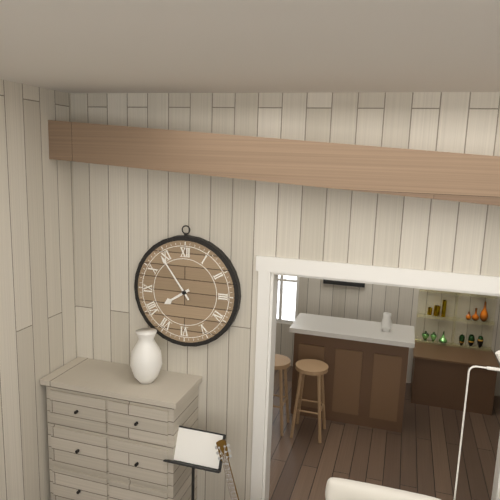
7:54
